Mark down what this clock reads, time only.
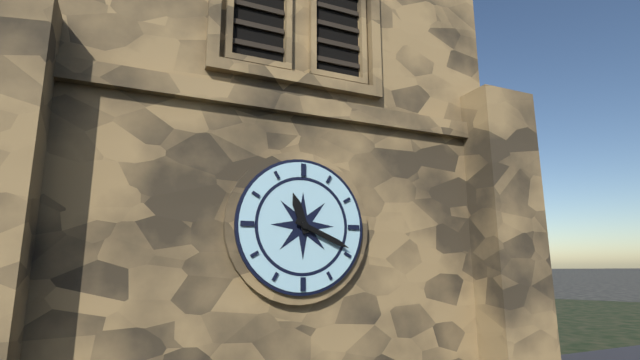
11:19
